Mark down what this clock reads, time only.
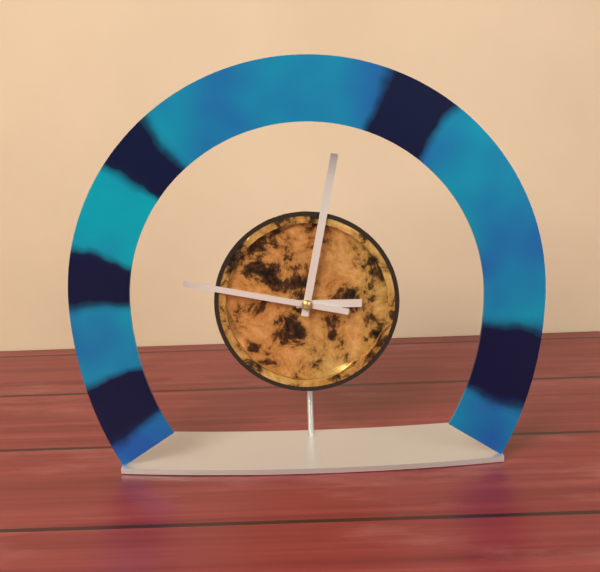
3:02:47
